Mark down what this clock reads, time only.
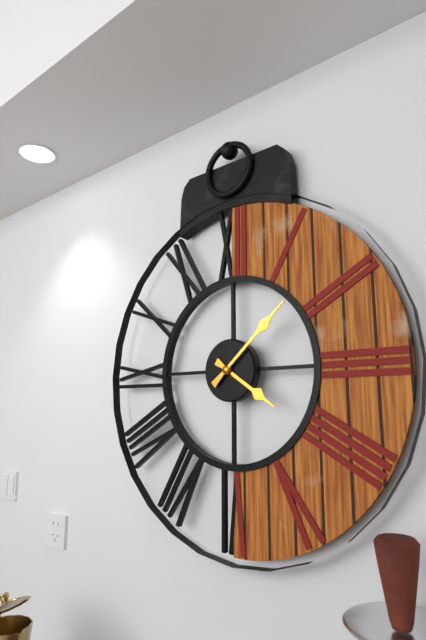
4:08
